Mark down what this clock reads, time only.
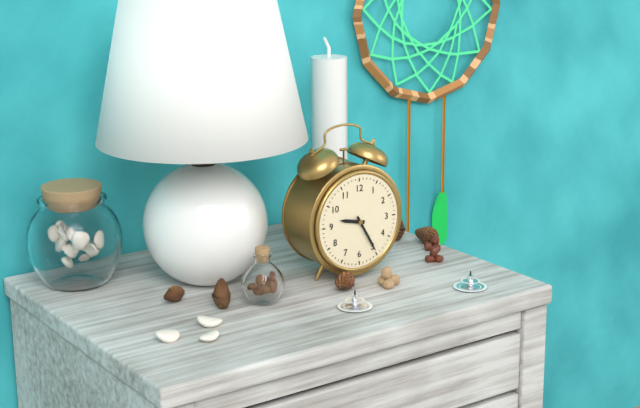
9:25
